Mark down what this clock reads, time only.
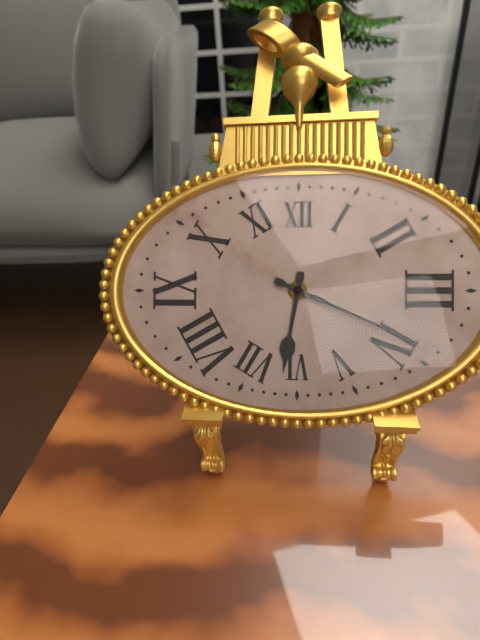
6:19
